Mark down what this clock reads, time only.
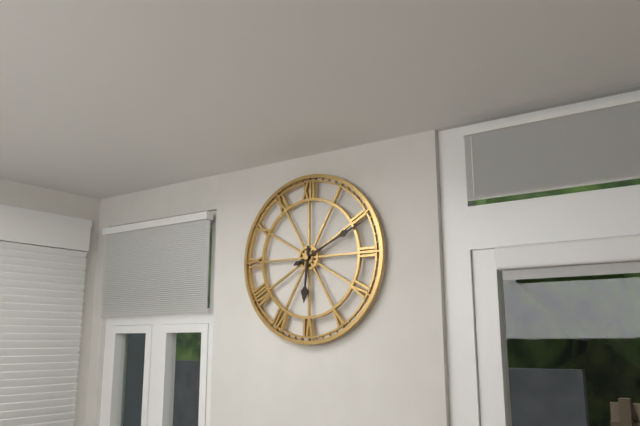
6:11
